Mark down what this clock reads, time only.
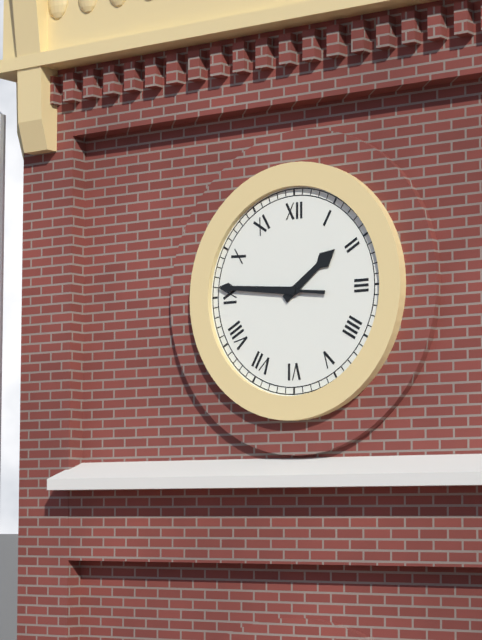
1:46
